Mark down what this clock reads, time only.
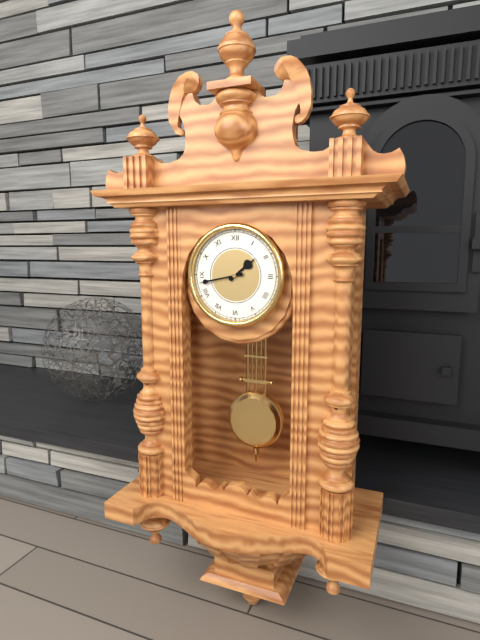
1:43
